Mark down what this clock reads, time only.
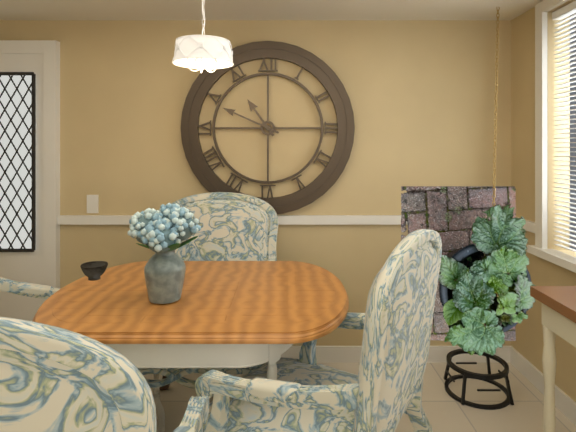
10:49
